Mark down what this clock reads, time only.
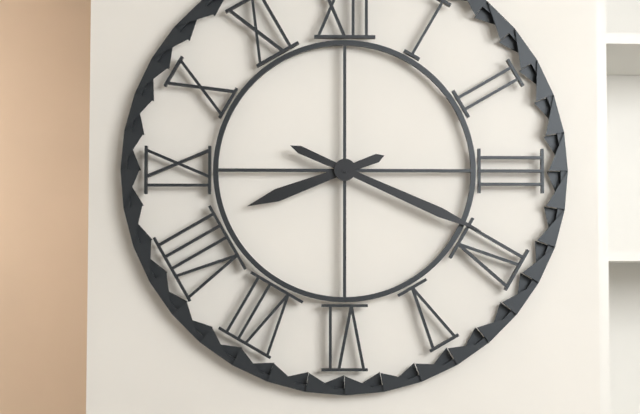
8:19
